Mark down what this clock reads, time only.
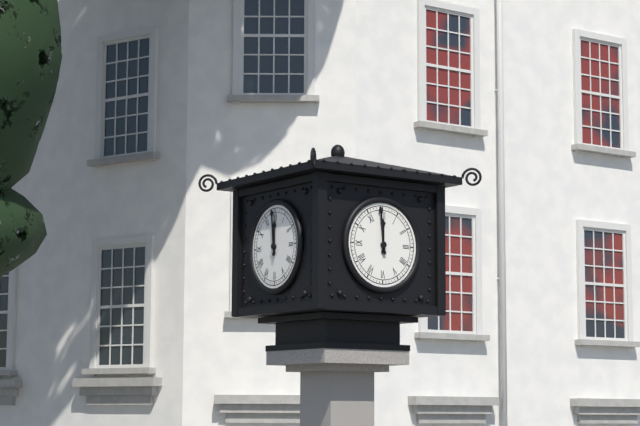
11:59
